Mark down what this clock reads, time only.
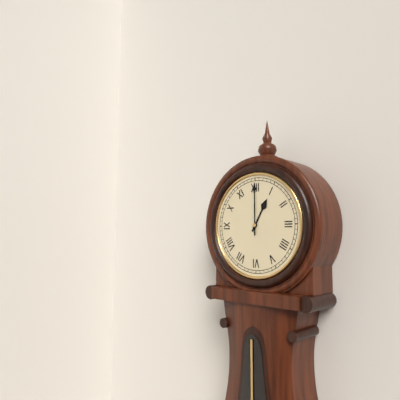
1:00
